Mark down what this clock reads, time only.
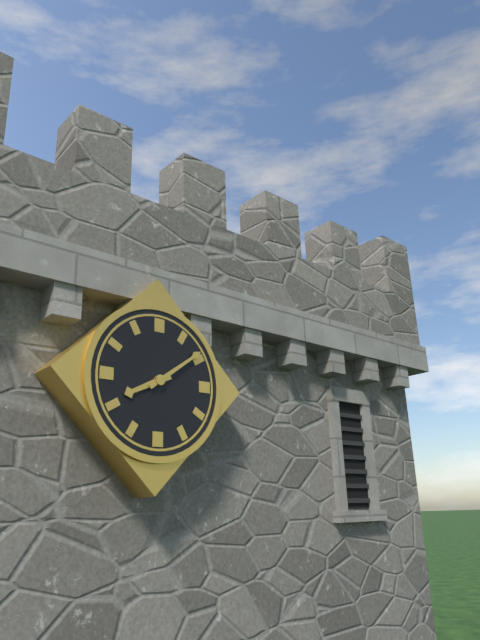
8:09
